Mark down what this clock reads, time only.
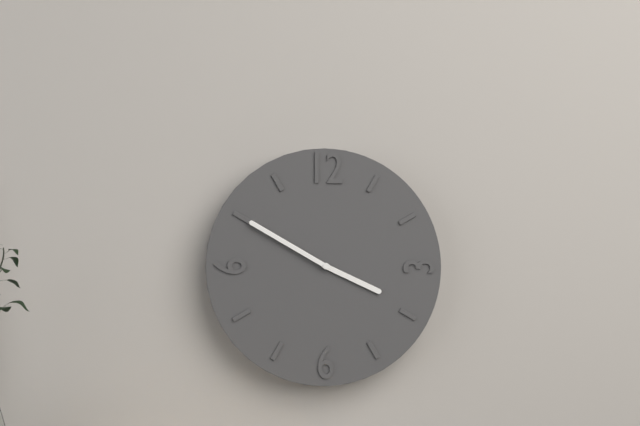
3:50
